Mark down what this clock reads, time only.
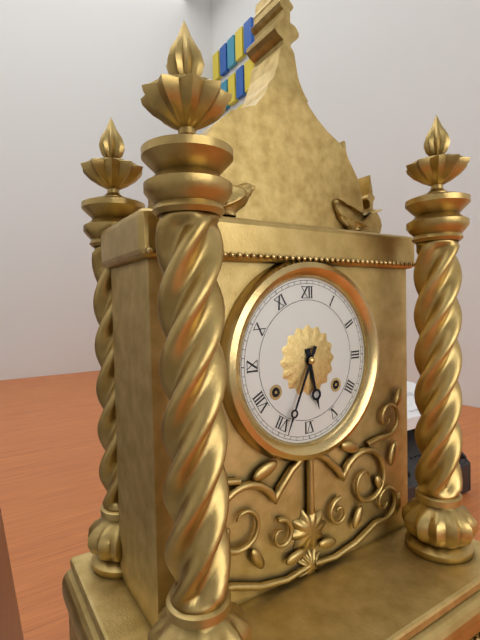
5:34
